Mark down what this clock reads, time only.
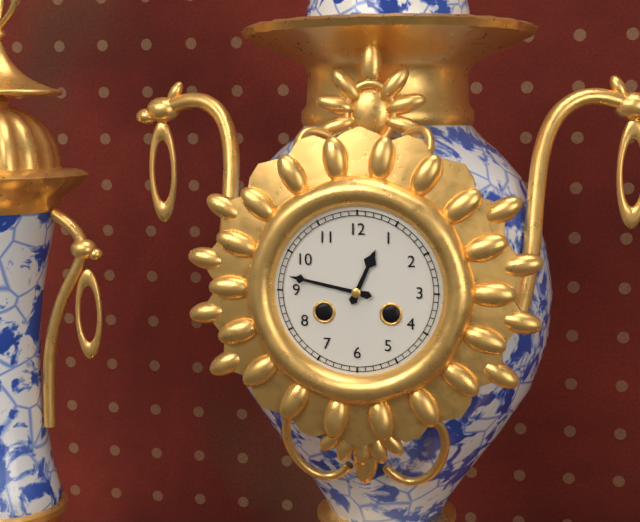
12:47
